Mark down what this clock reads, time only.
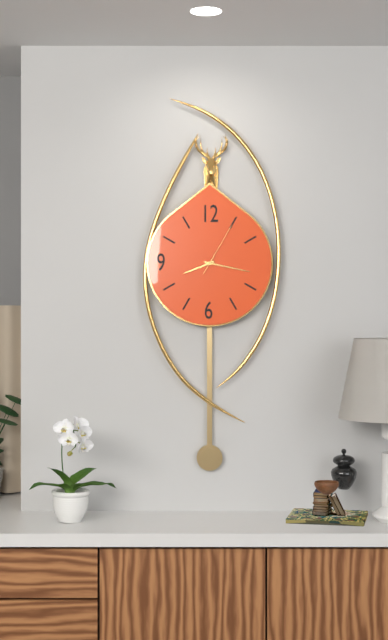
8:17:05
